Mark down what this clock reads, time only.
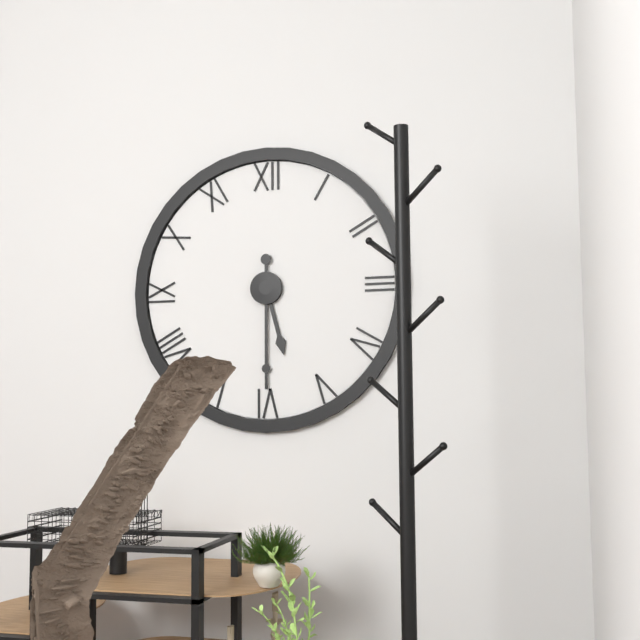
5:30
